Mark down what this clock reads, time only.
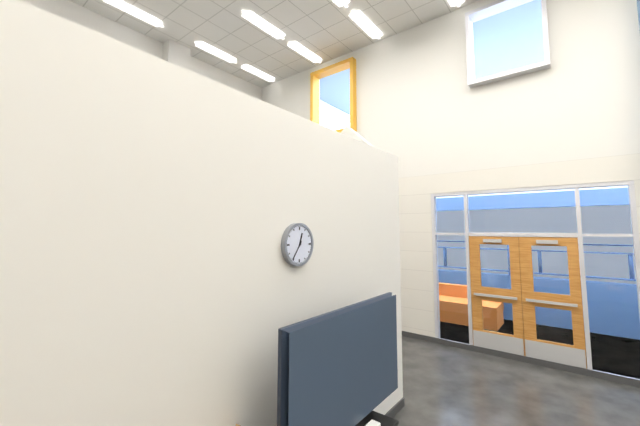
12:36
